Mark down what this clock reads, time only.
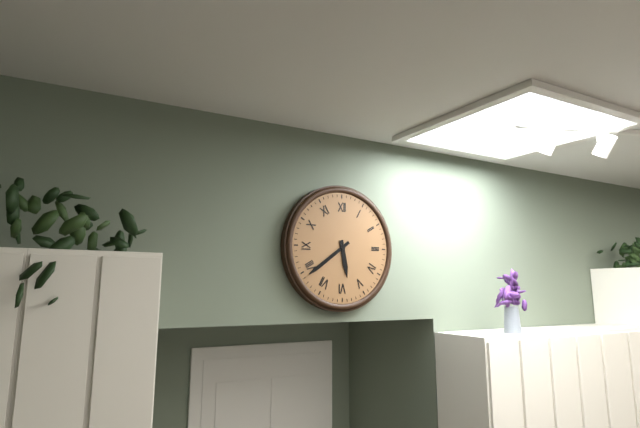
5:39
